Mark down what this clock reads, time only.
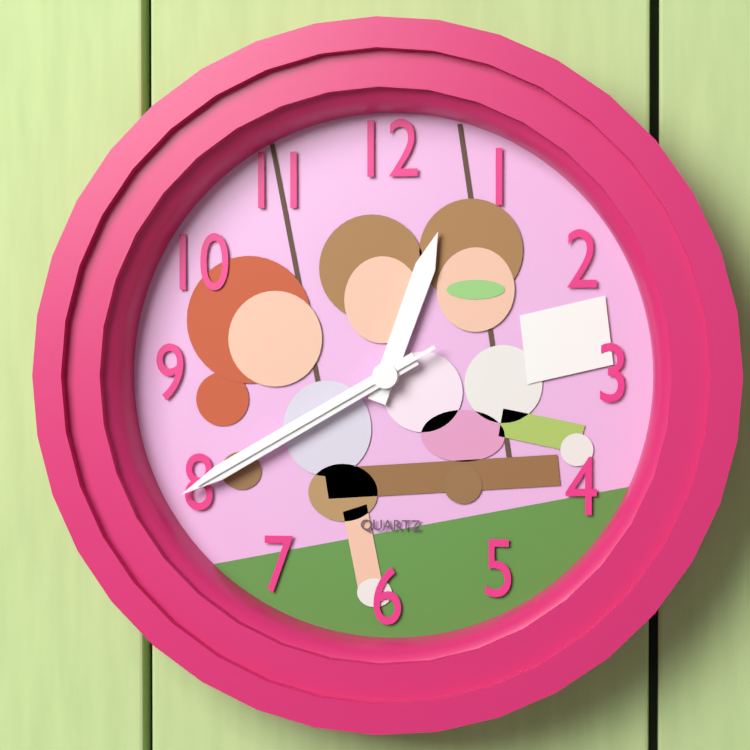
12:40:40
